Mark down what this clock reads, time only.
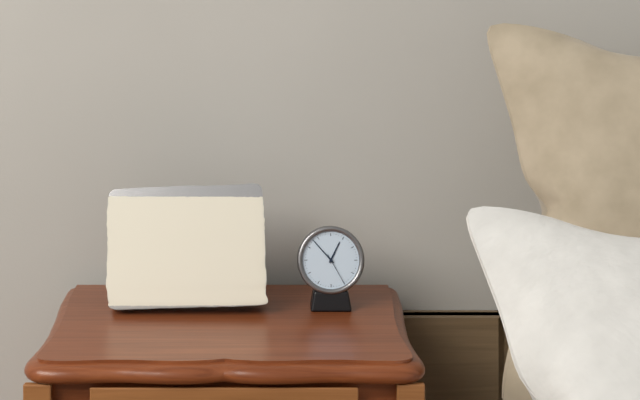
12:53
